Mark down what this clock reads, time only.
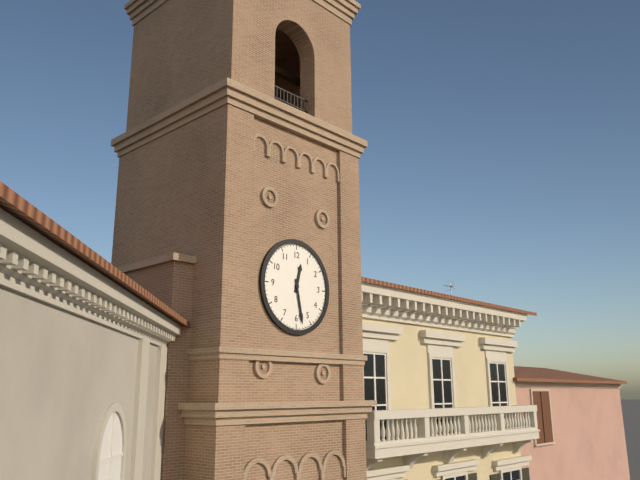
12:28
